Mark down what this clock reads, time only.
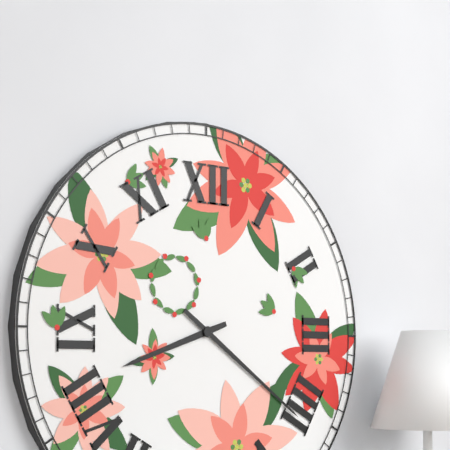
8:21
